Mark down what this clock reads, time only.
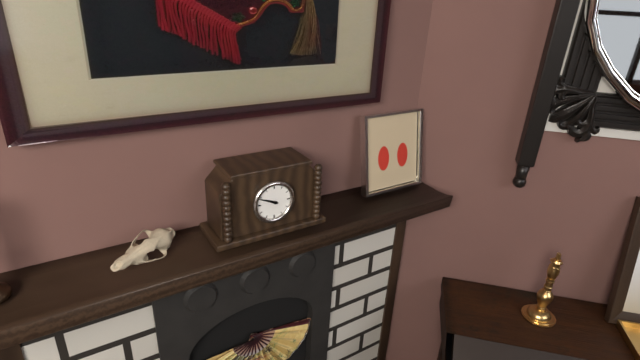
9:49
